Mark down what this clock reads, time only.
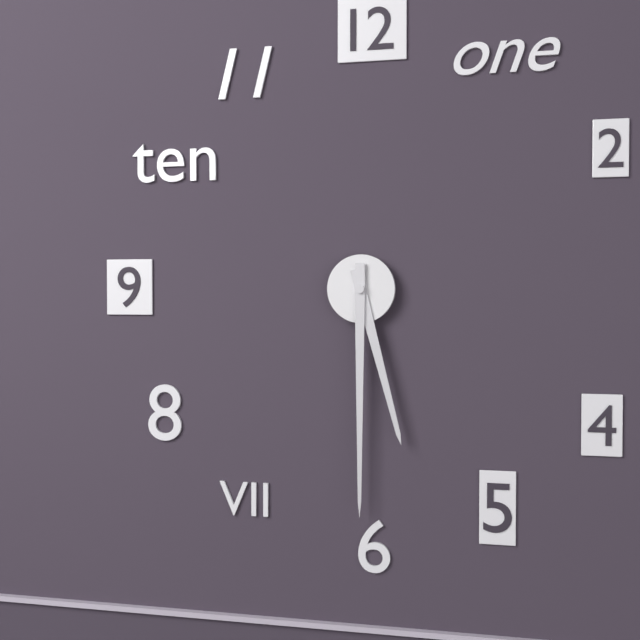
5:30
